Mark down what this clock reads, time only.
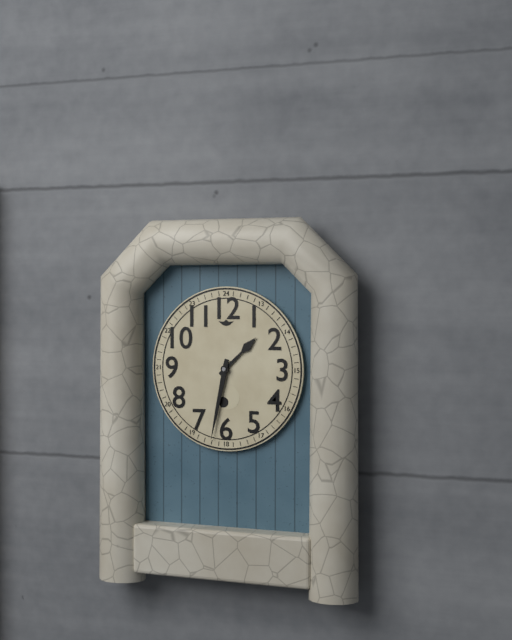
1:32
